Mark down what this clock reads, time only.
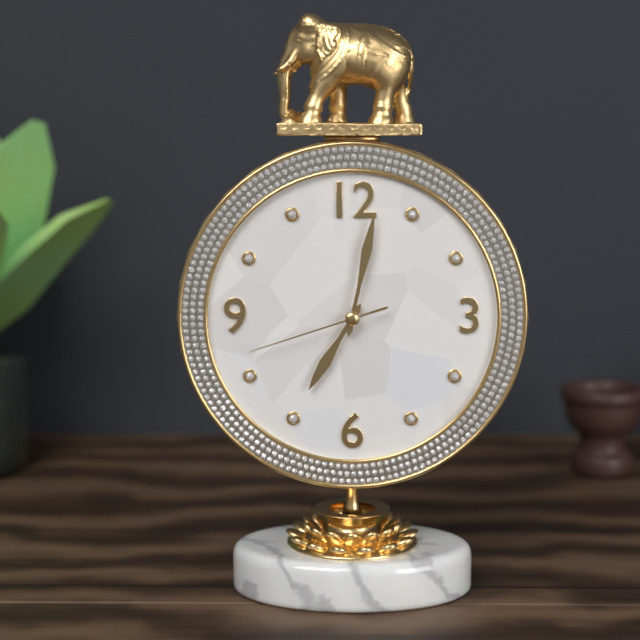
7:02:42
